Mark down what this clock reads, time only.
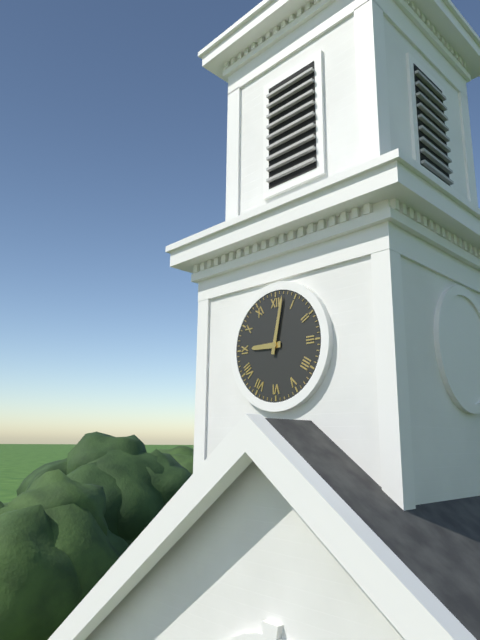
9:02
